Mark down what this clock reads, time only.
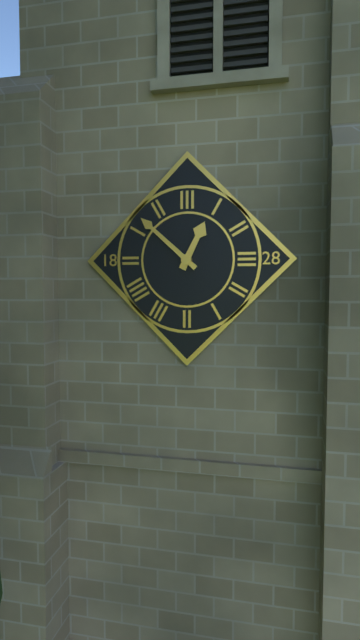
12:52
